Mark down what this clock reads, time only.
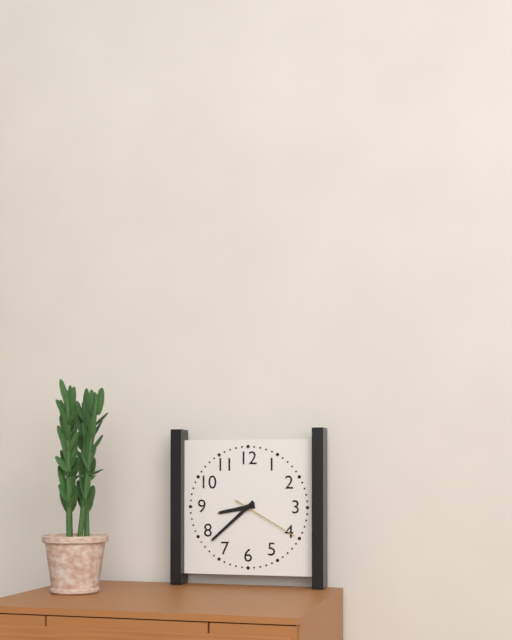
8:38:20
